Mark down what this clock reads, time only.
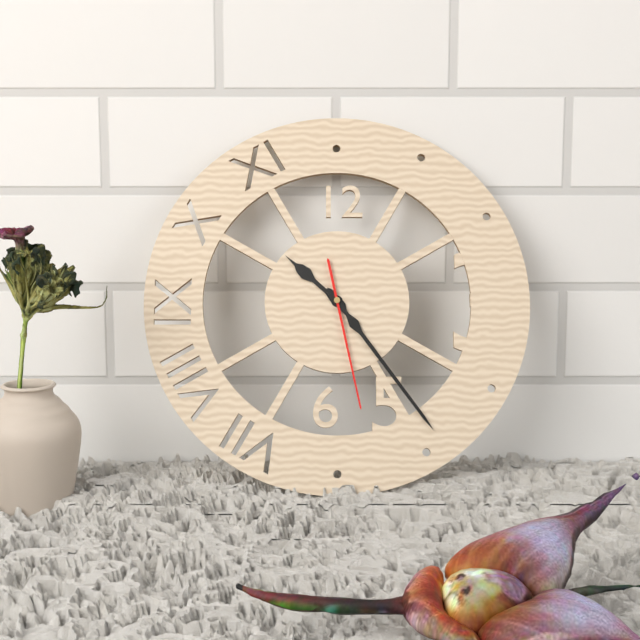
10:24:28
